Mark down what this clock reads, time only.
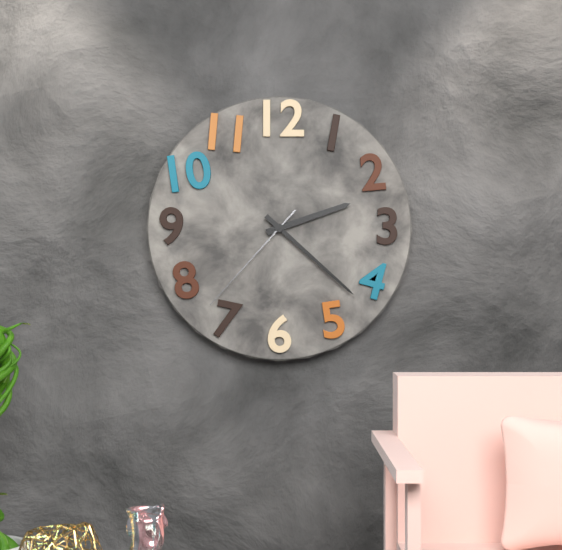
2:22:37
